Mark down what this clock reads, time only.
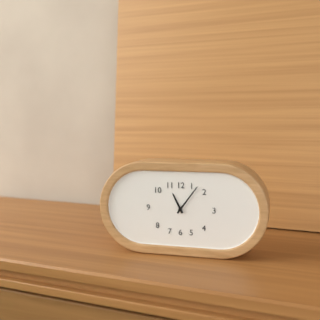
11:06
